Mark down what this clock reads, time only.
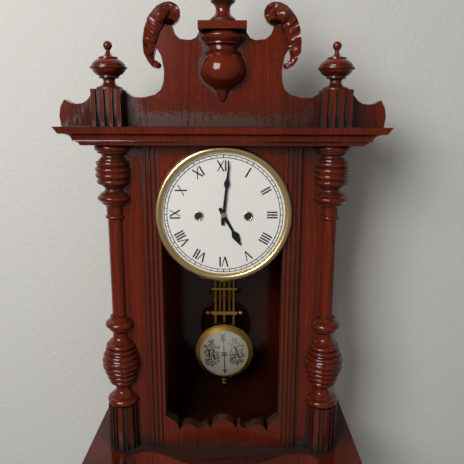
5:01
